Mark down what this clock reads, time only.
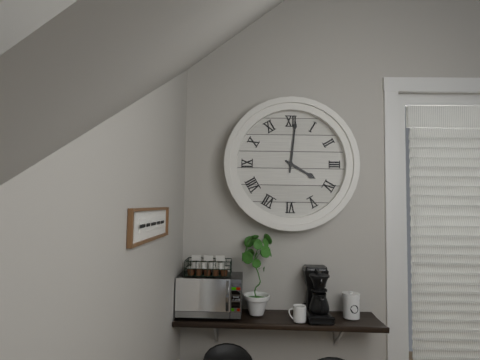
4:01
